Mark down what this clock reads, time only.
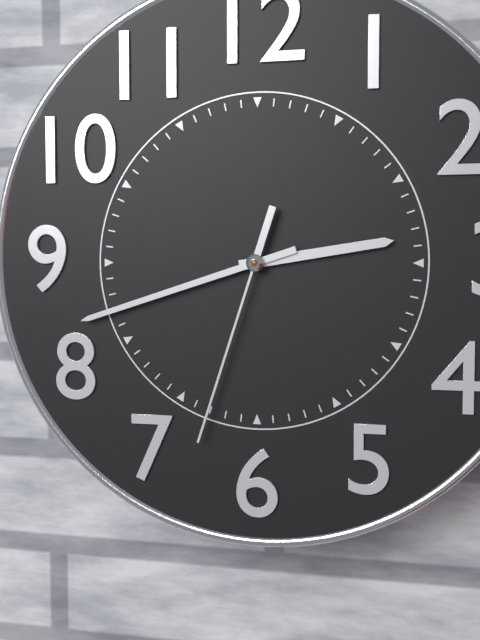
2:42:33
